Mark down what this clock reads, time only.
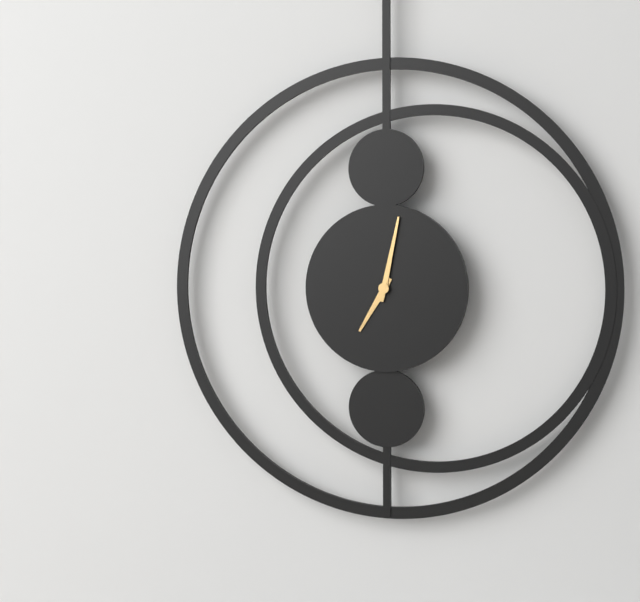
7:02
